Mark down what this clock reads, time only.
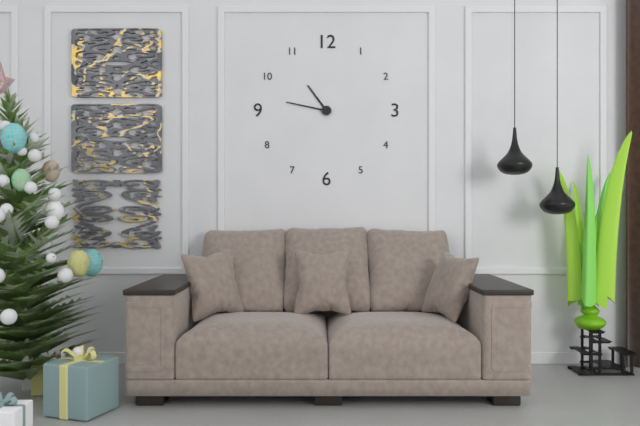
10:47
